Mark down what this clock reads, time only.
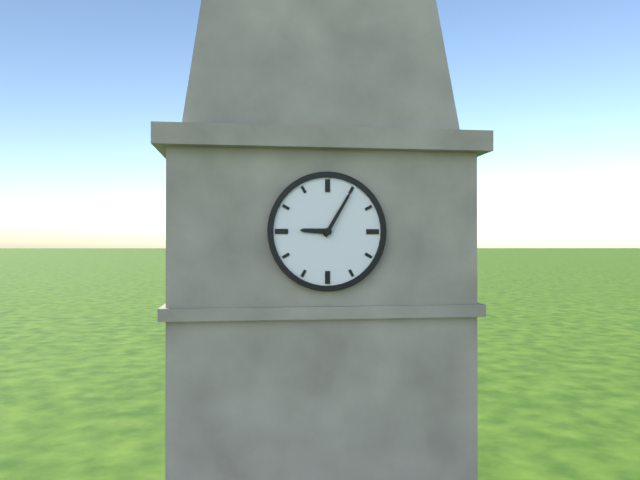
9:05
